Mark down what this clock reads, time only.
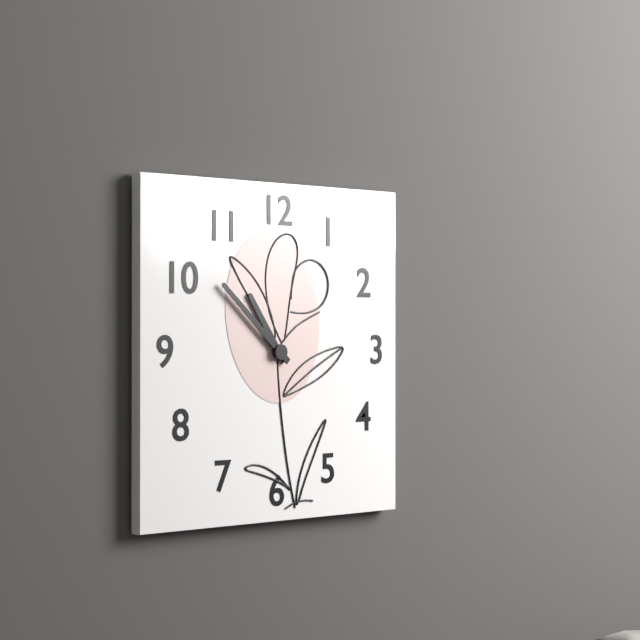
10:52
